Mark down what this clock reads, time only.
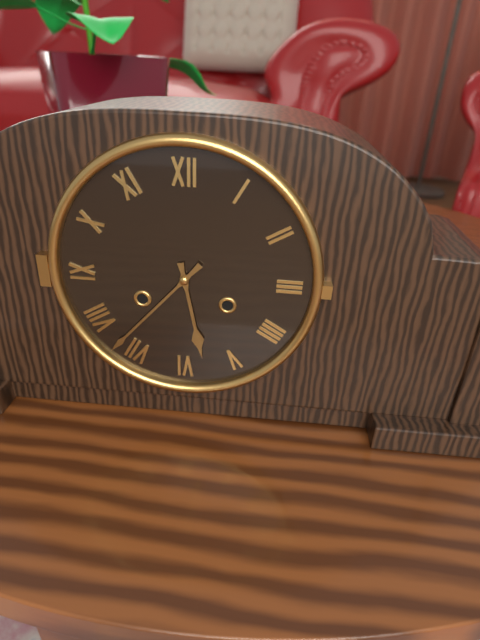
5:37
